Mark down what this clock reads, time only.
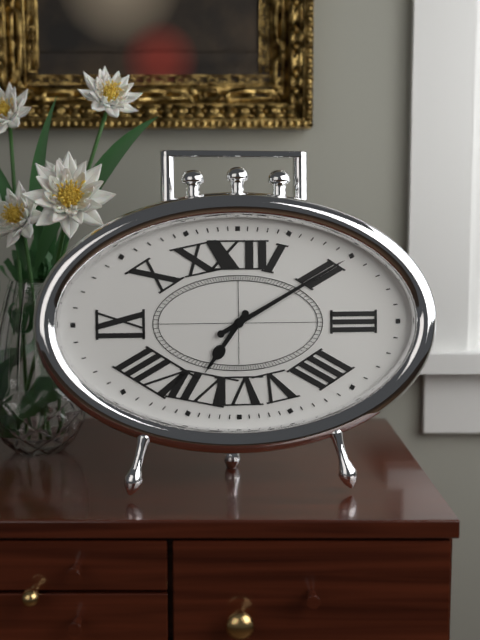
7:10
